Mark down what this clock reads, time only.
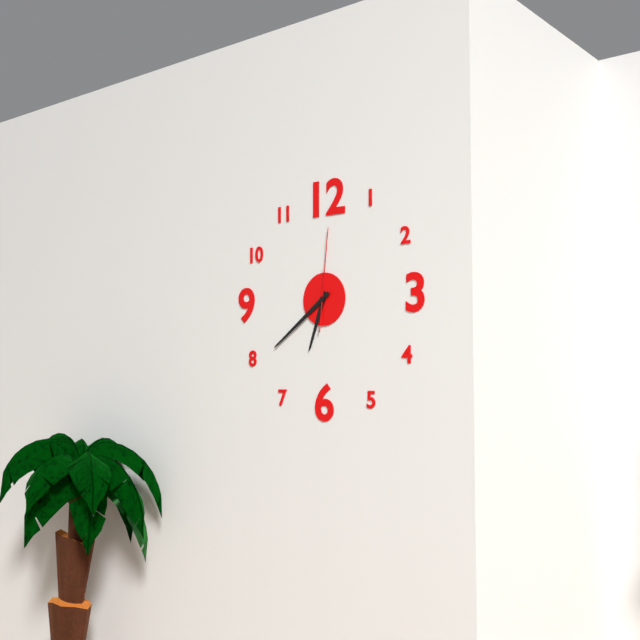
6:39:01
